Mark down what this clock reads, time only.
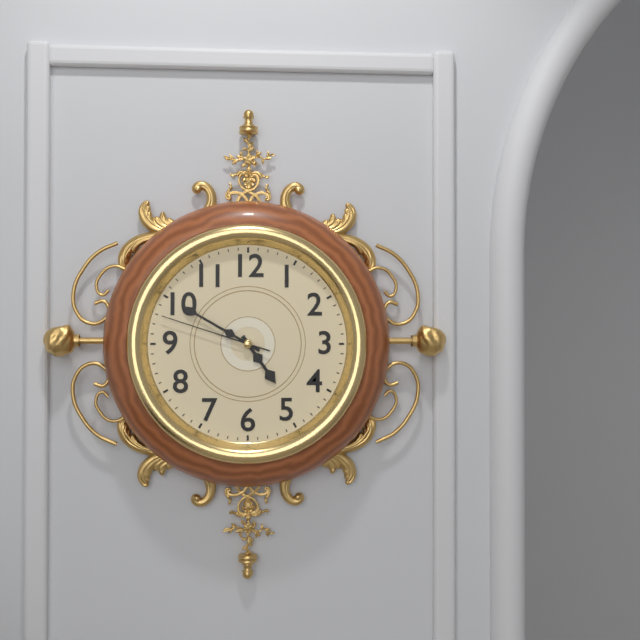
4:50:48
